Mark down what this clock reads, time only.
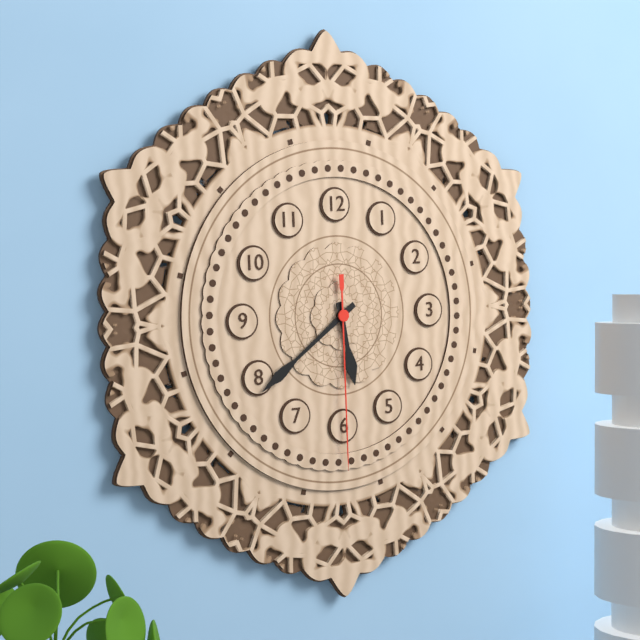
5:39:30
